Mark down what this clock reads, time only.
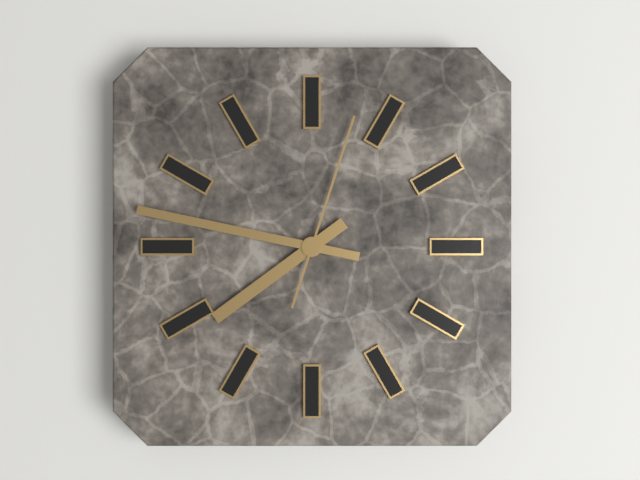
7:47:03
